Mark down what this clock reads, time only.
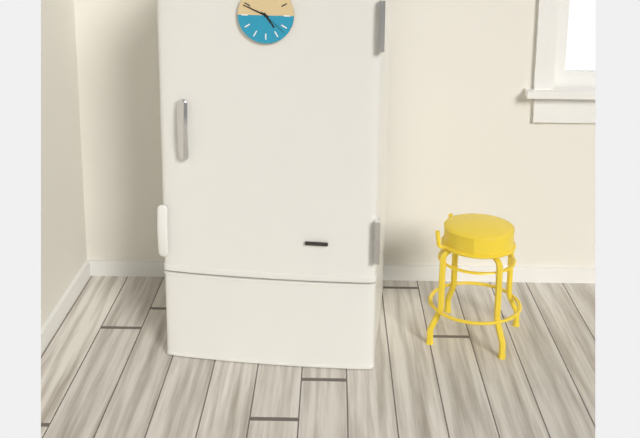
4:49
